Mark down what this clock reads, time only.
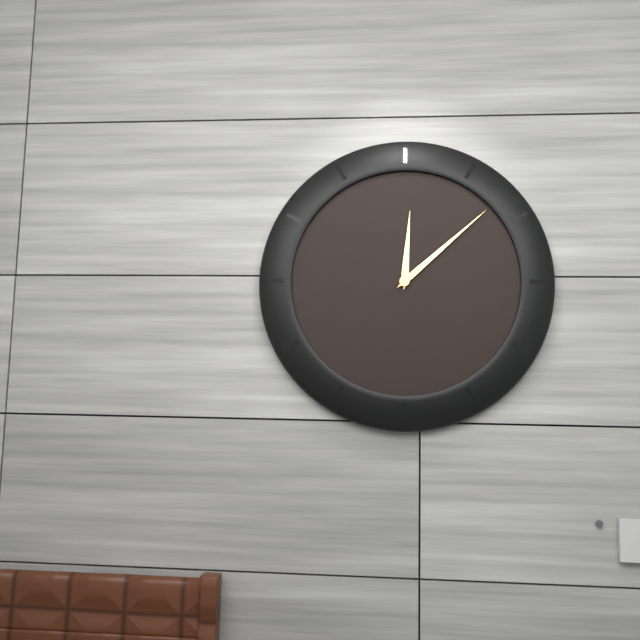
12:08
